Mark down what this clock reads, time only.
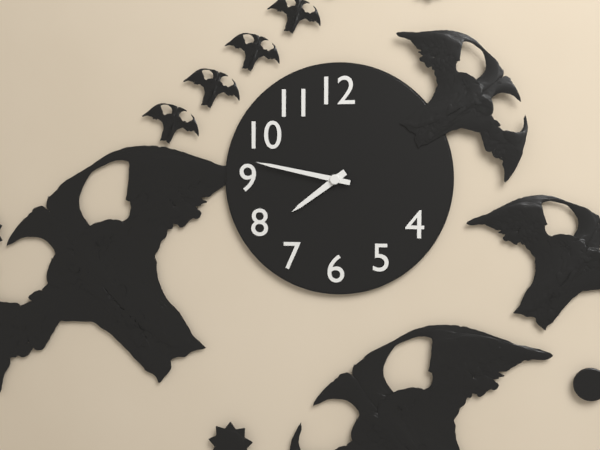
7:47
